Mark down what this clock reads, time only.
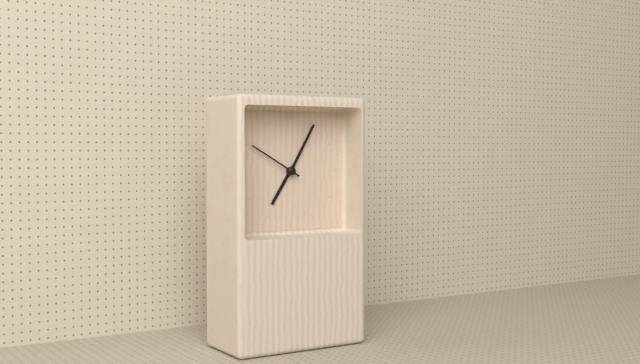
7:05:50
